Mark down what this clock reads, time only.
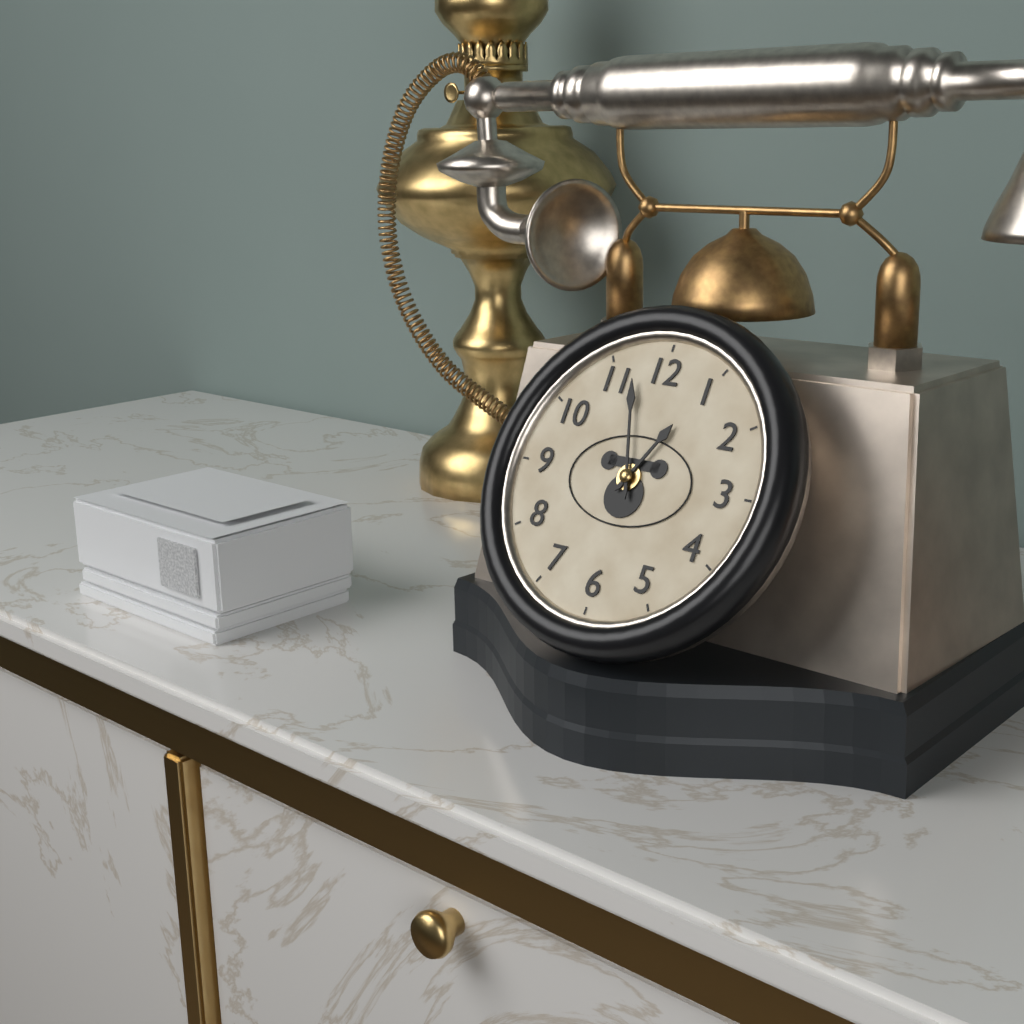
12:57
